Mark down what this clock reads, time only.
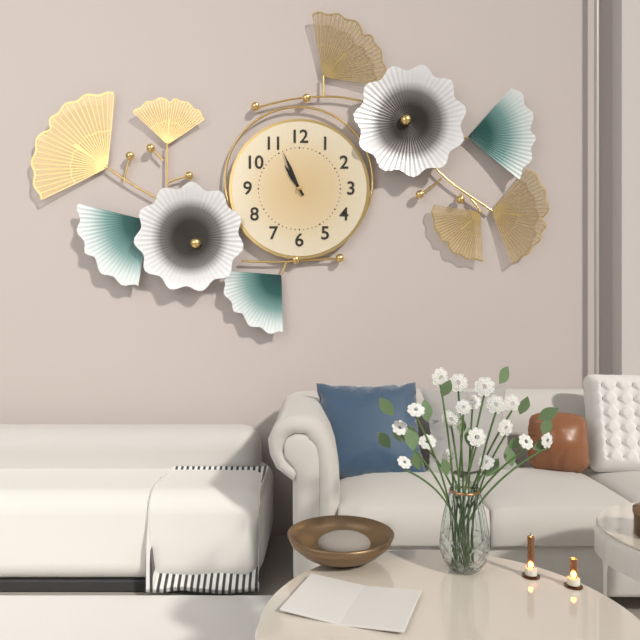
10:56
